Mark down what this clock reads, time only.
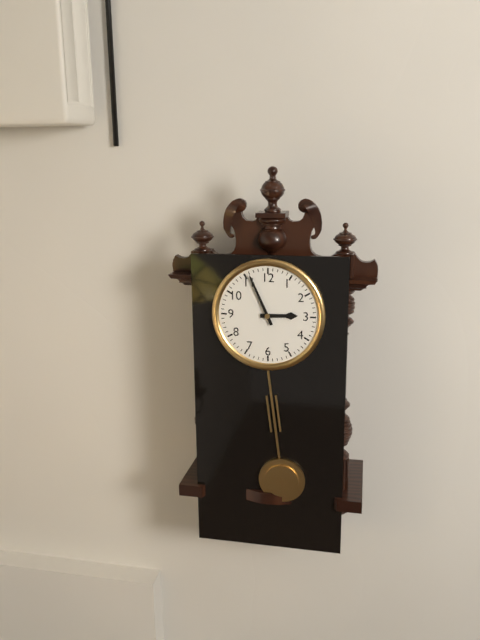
2:56
